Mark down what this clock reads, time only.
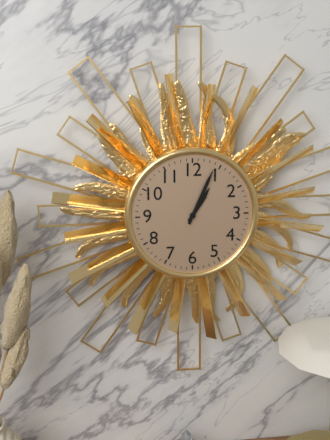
1:04
